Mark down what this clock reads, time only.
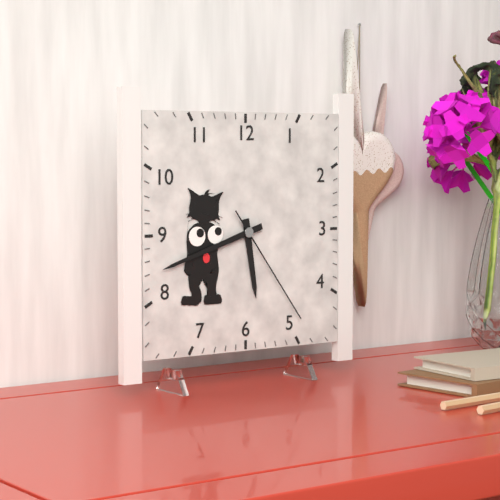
5:42:24
